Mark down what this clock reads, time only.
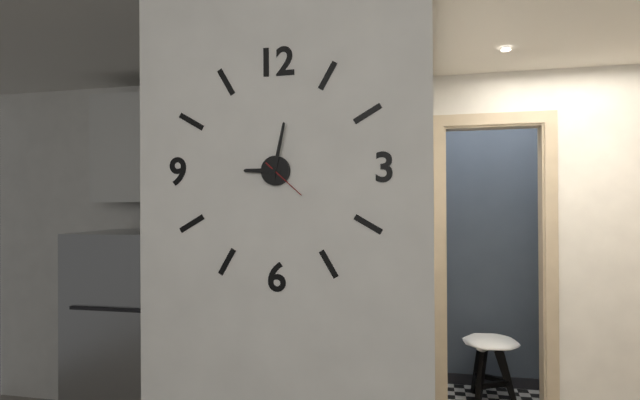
9:02
